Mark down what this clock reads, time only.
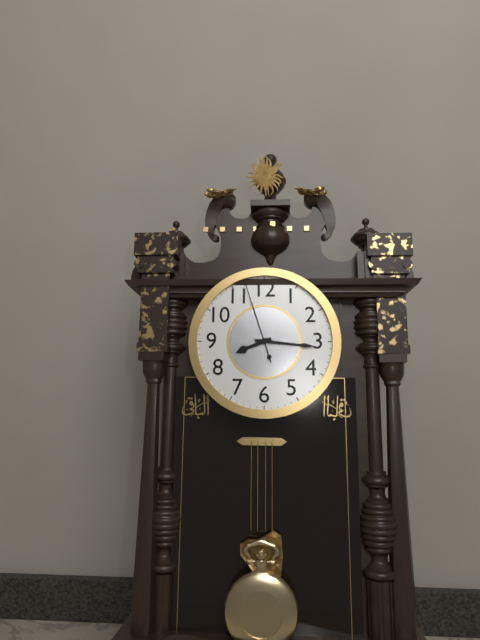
8:16:57
